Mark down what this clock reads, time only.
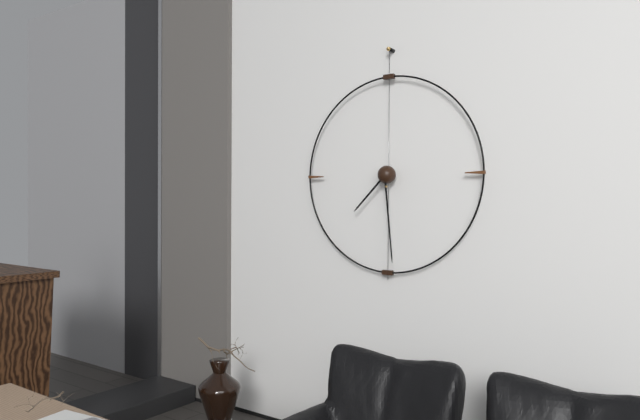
7:29
